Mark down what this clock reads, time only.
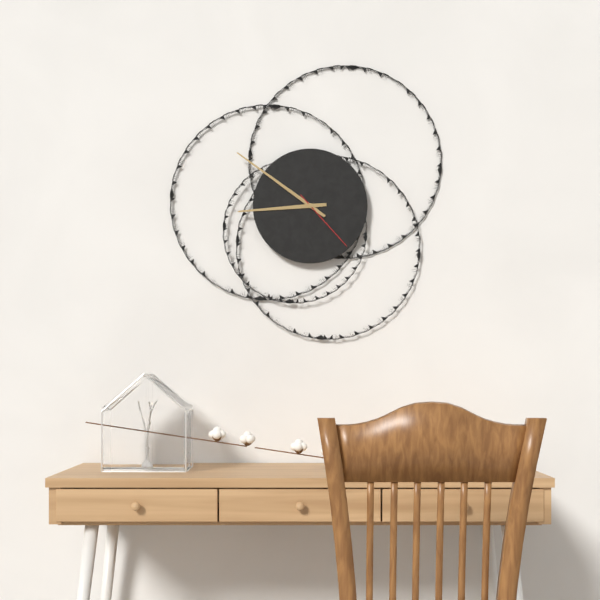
8:51:23
